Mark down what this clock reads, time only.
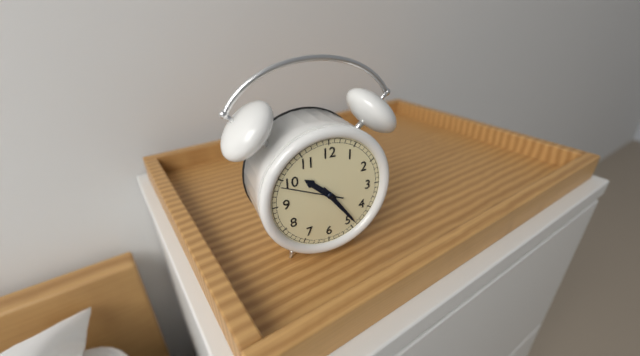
10:24:49
